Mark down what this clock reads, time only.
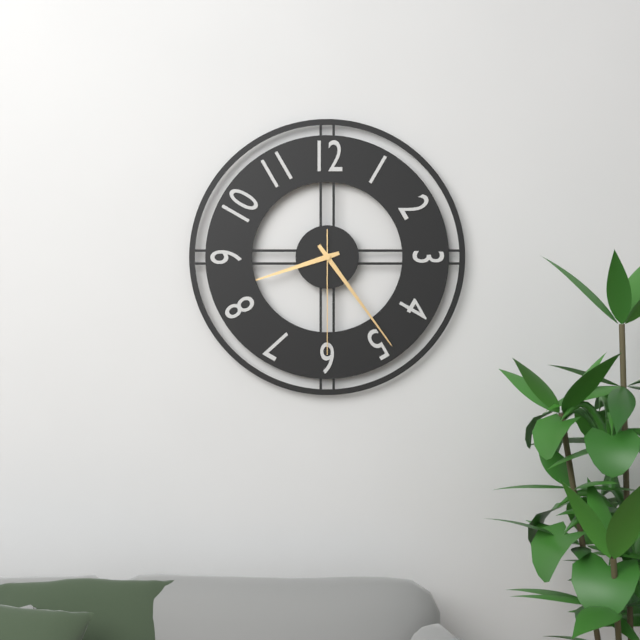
8:24:30
